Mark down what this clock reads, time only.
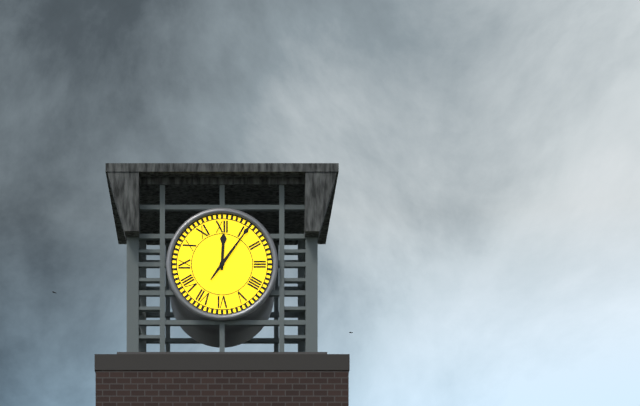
12:06
